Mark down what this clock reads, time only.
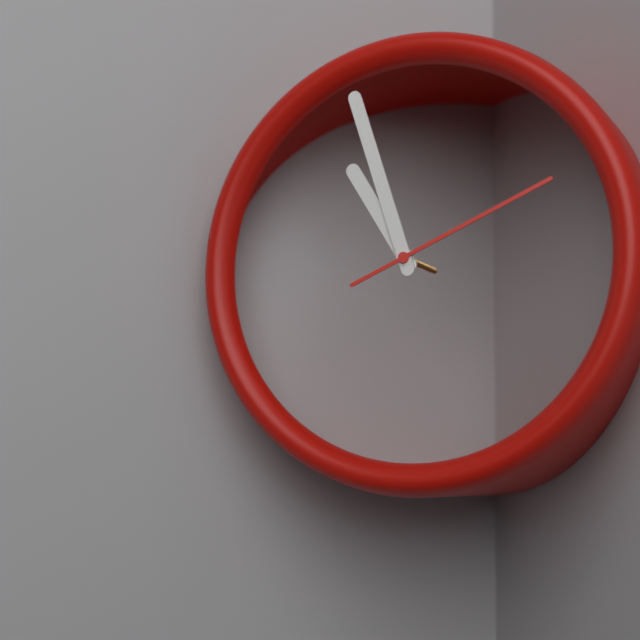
10:57:11
